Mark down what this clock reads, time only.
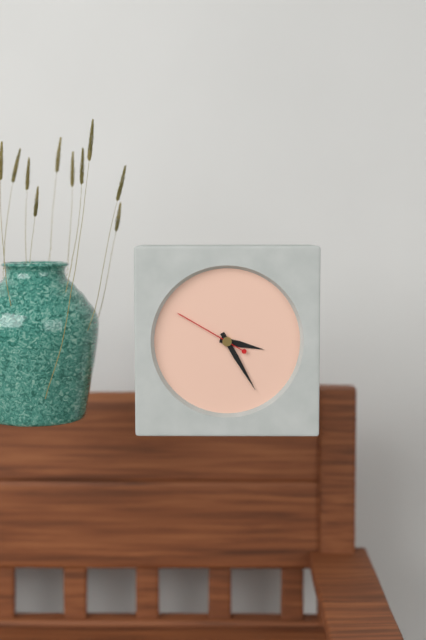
3:25:50
